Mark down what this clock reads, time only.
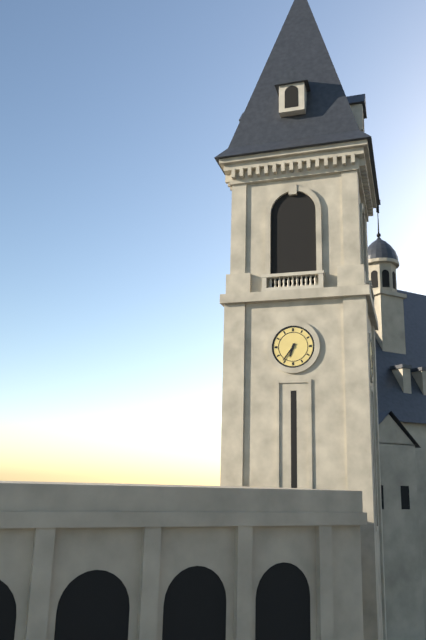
6:36
